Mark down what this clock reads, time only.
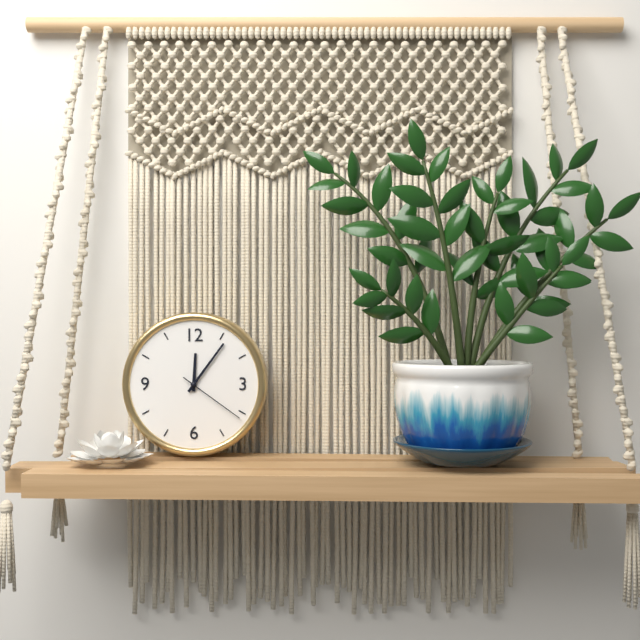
12:06:21
